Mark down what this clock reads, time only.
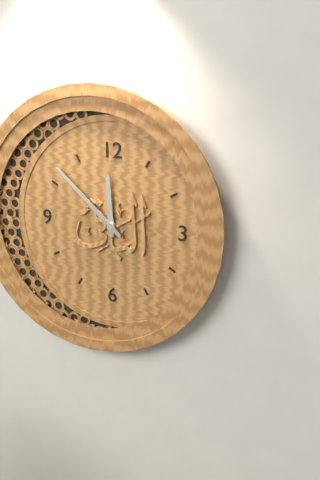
11:52
